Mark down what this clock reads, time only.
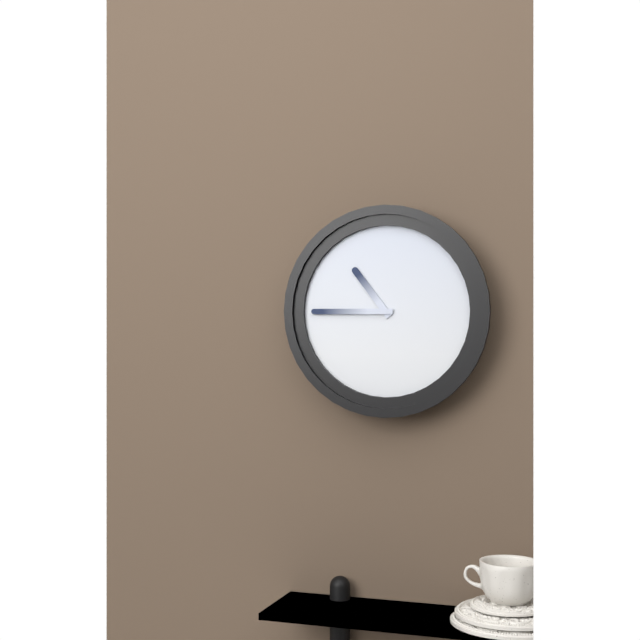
10:45
